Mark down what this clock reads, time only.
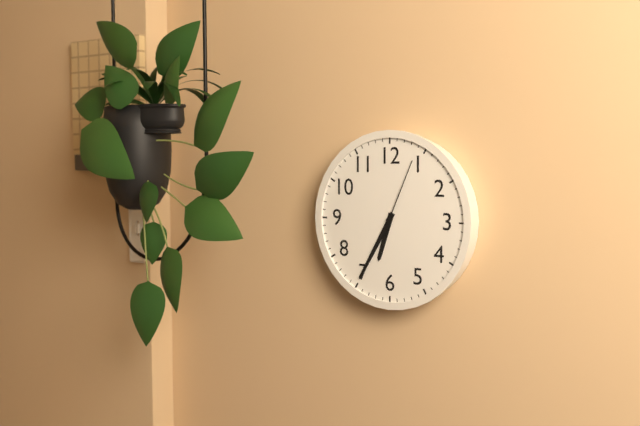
6:35:04
